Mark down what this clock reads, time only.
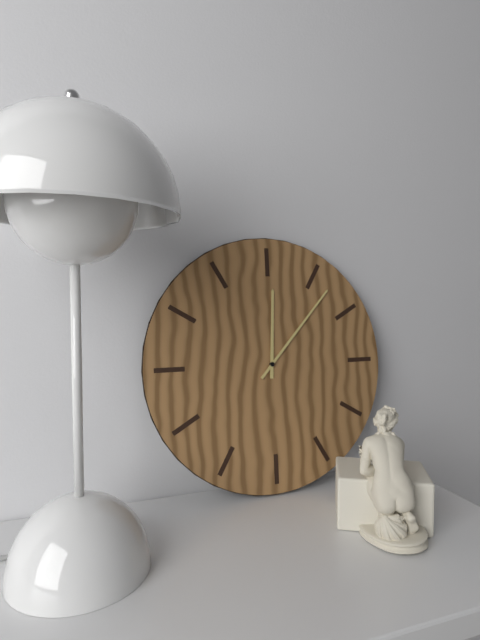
12:07
